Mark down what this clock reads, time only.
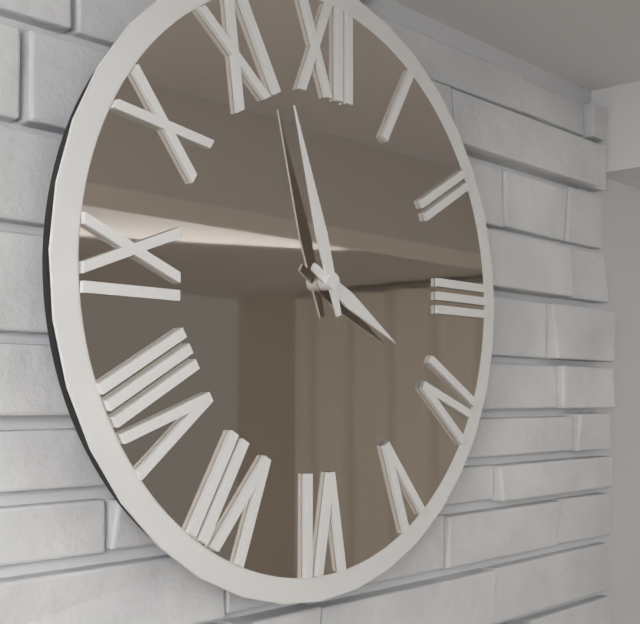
3:57
